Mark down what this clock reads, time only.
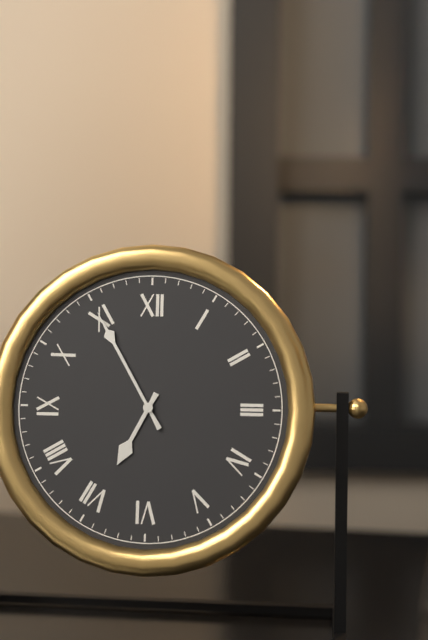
6:55
